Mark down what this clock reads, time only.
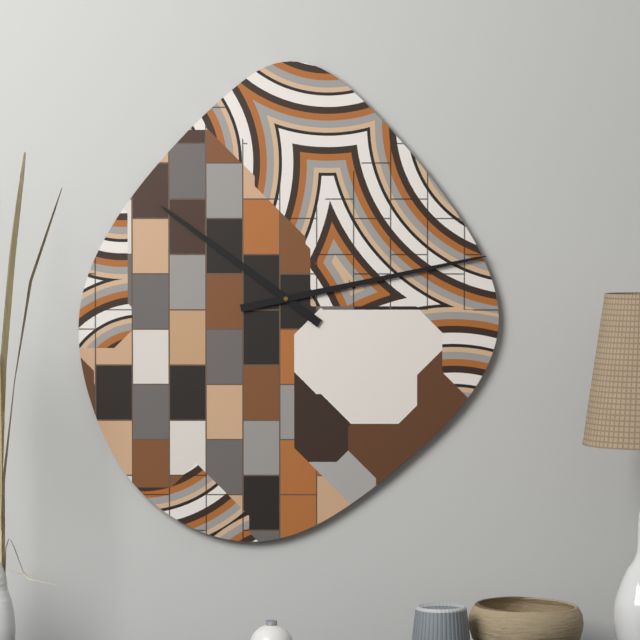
10:13
